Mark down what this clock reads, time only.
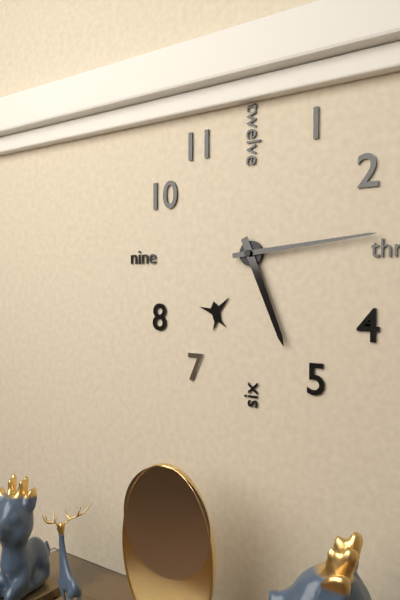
5:14
